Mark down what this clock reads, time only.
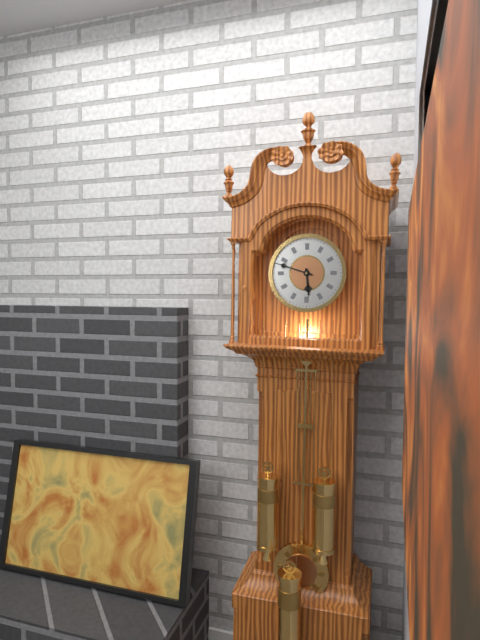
5:48
